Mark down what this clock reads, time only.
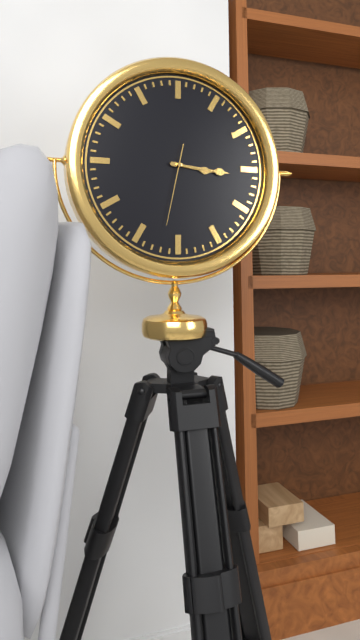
3:16:32
